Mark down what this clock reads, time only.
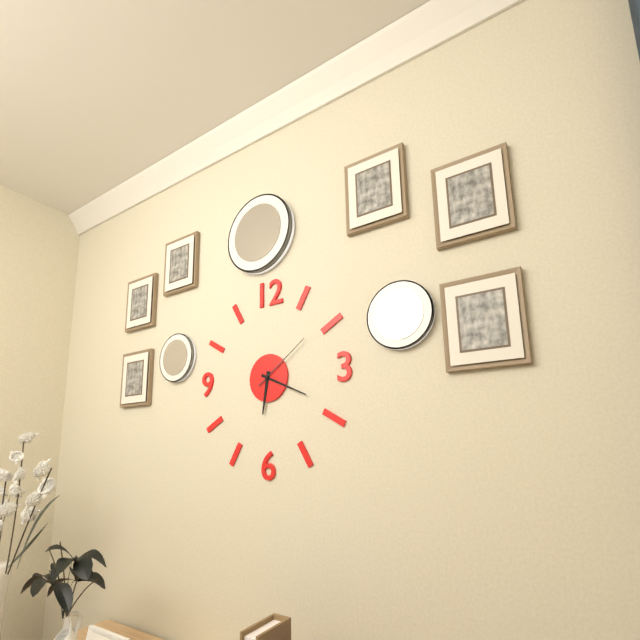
6:19:09
